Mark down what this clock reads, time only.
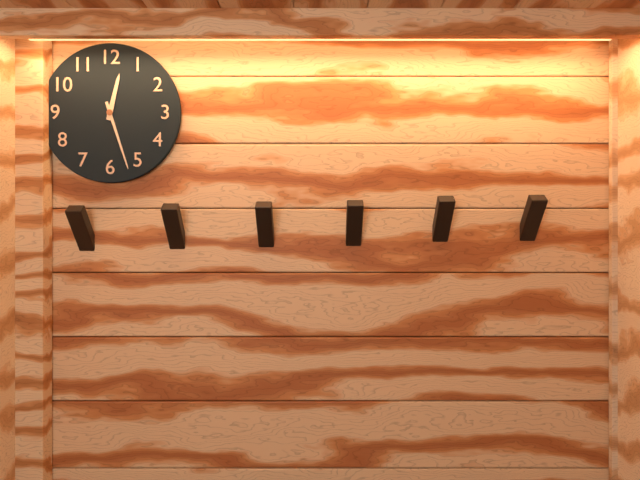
12:27
